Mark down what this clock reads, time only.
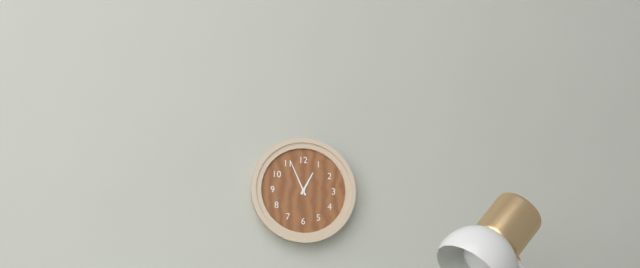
12:56
